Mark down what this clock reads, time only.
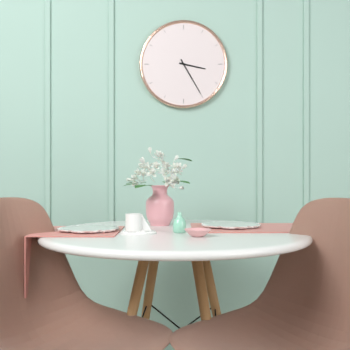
3:25
